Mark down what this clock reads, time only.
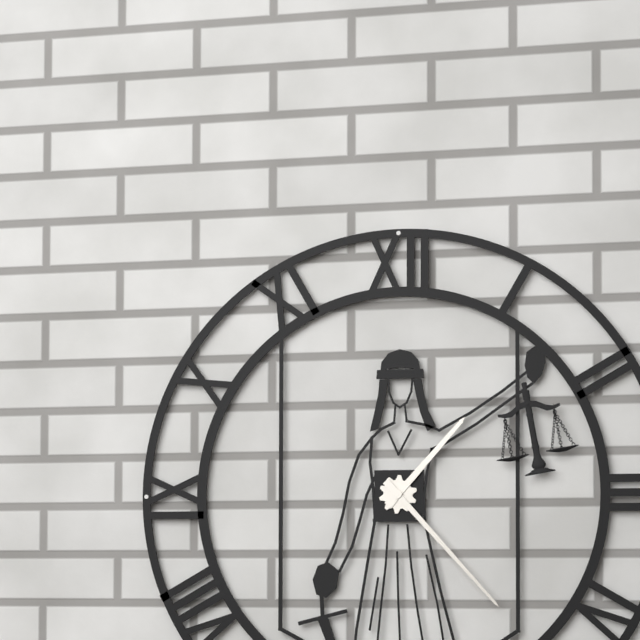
1:23
